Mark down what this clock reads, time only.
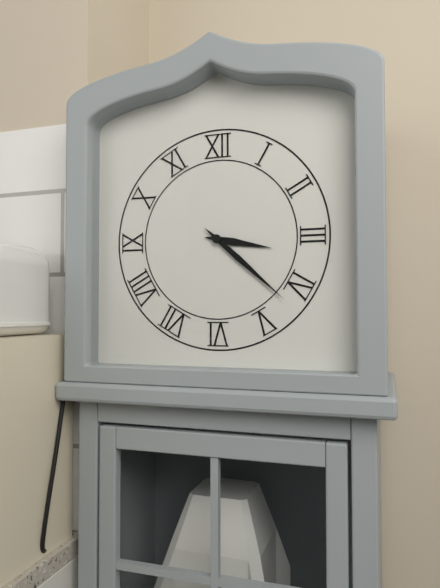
3:22
